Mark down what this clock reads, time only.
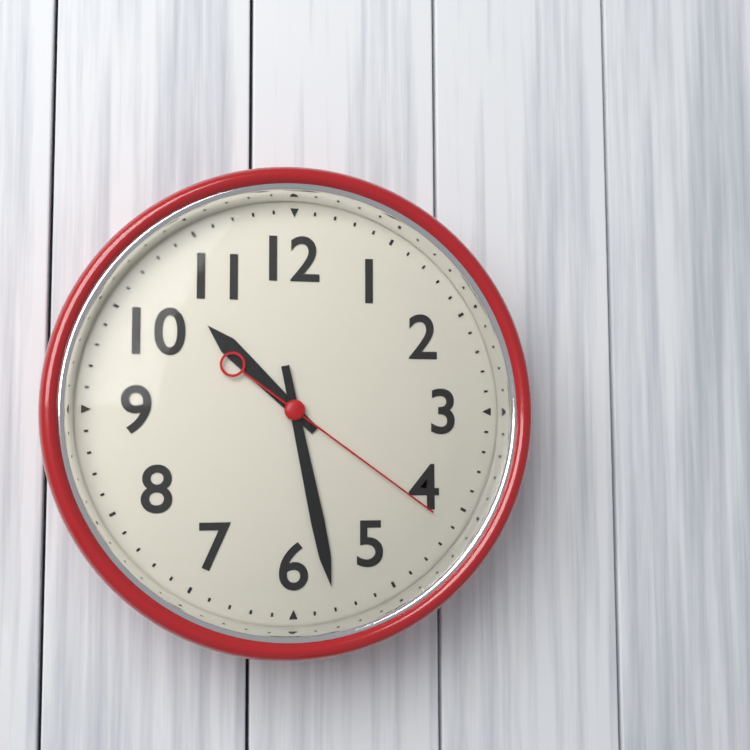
10:28:21
